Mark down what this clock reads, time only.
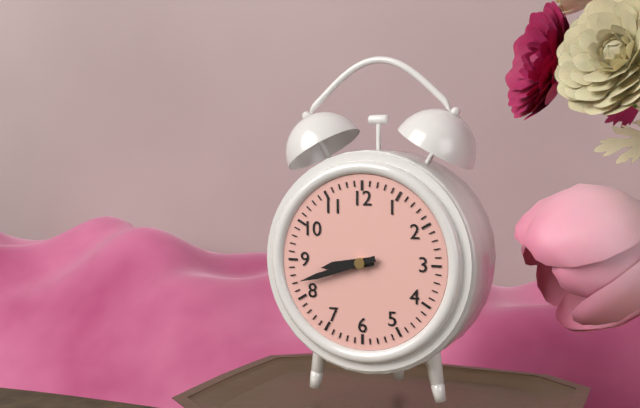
8:42
